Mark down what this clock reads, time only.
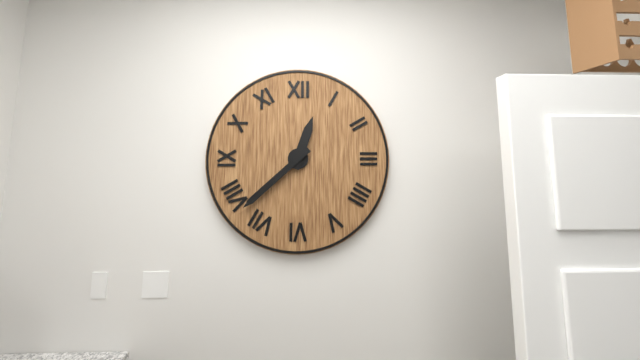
12:38
